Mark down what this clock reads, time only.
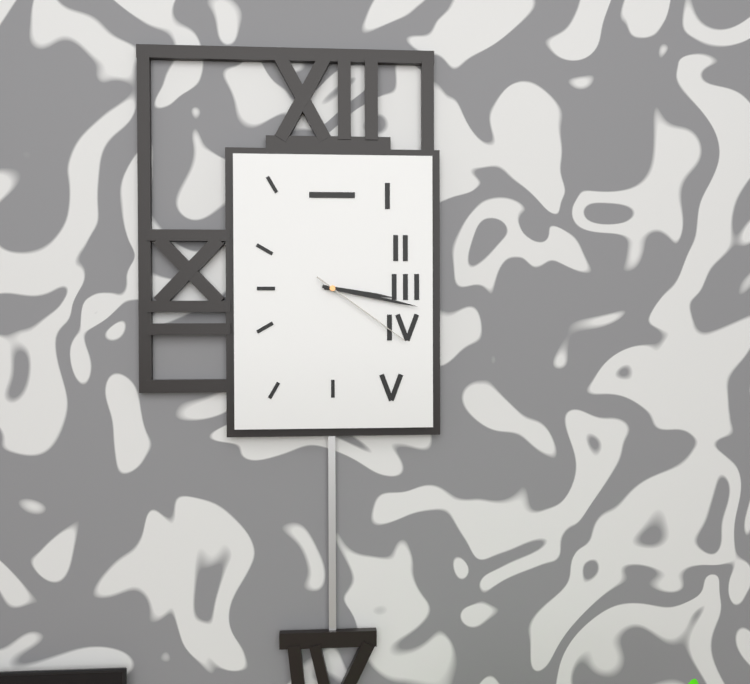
3:17:21
